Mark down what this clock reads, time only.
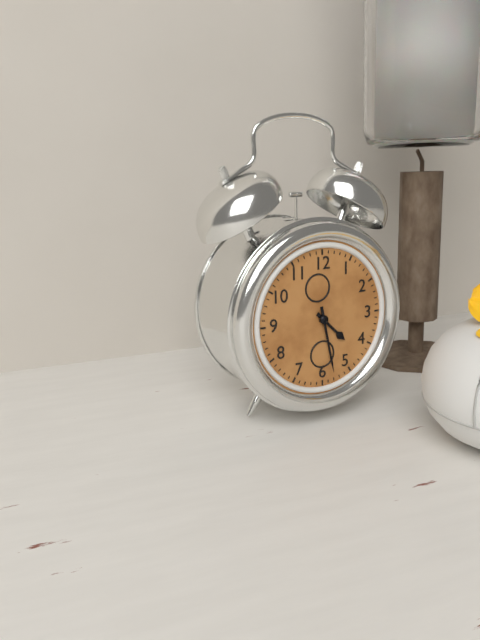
4:28
